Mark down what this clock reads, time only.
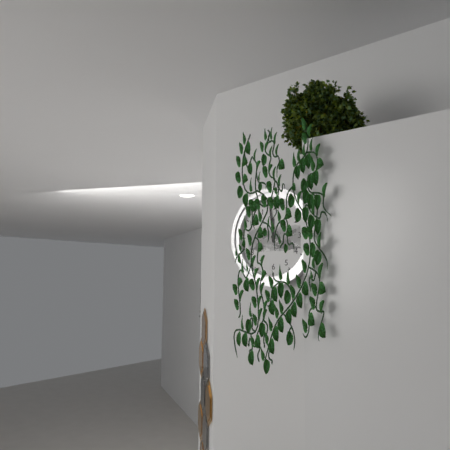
11:59
